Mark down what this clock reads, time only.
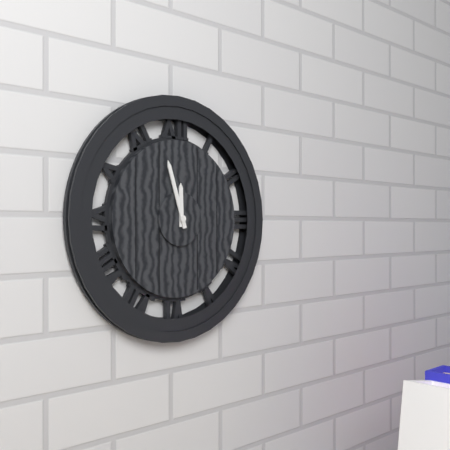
11:57
